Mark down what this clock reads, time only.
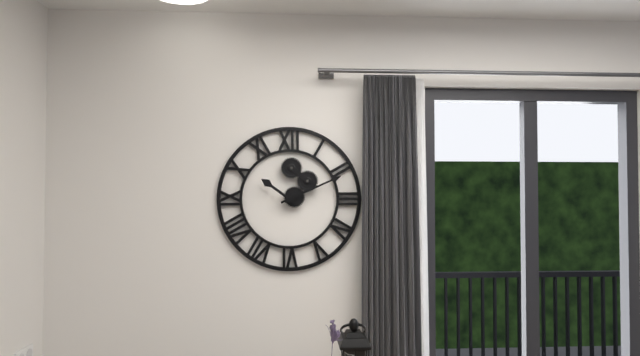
10:11
